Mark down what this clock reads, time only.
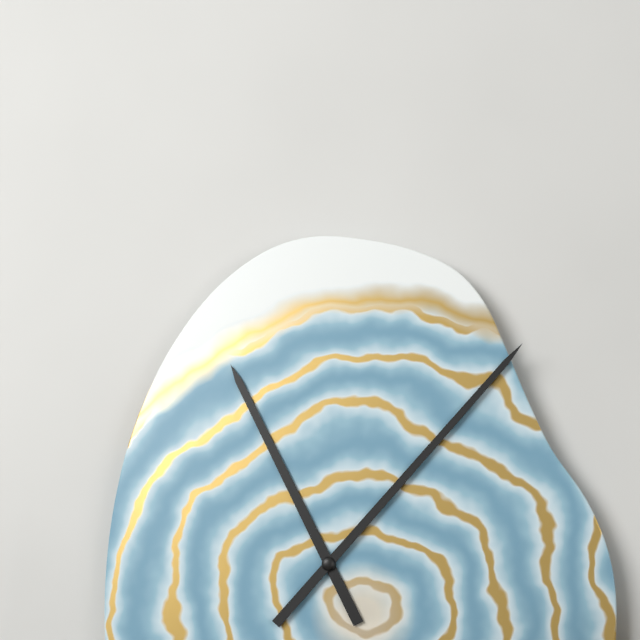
11:07
